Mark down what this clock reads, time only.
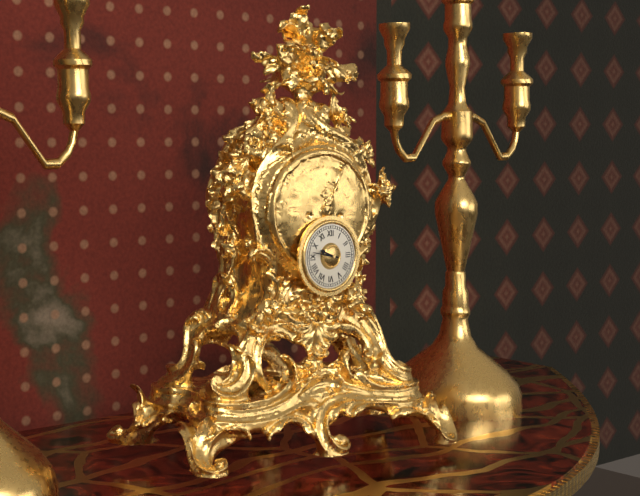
9:47
